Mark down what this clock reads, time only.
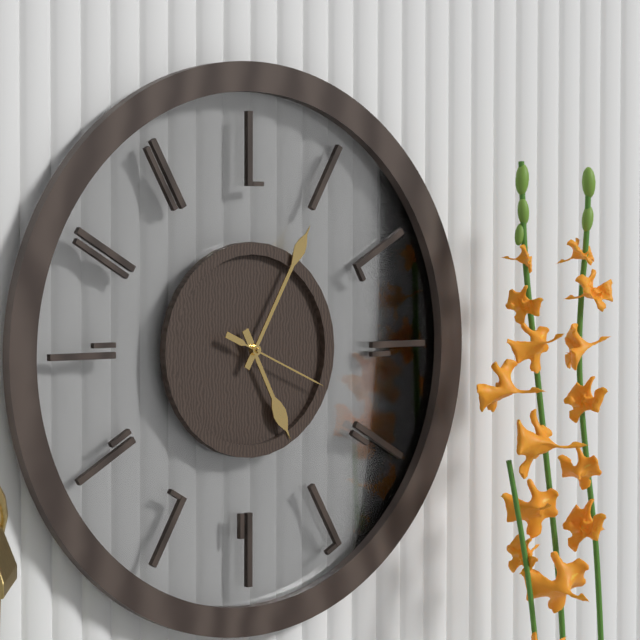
5:05:19
